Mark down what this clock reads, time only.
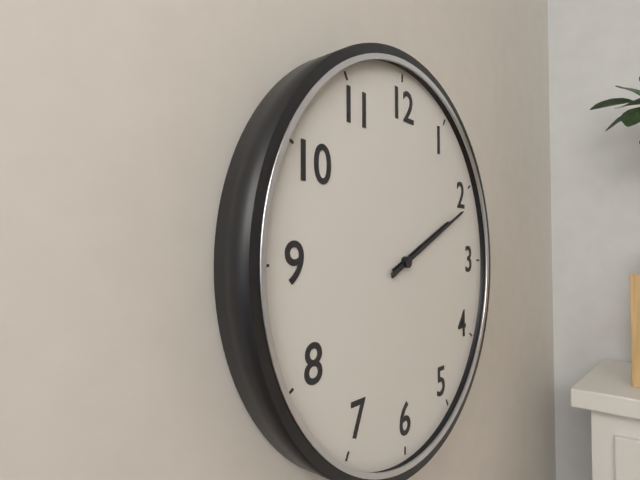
2:11
